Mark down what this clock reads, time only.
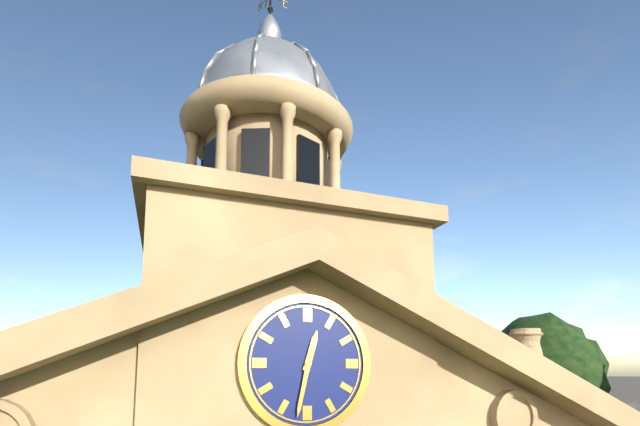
12:32
